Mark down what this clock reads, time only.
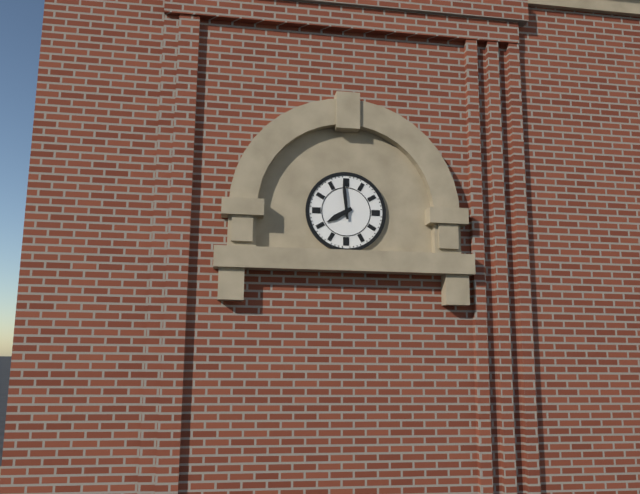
7:59
